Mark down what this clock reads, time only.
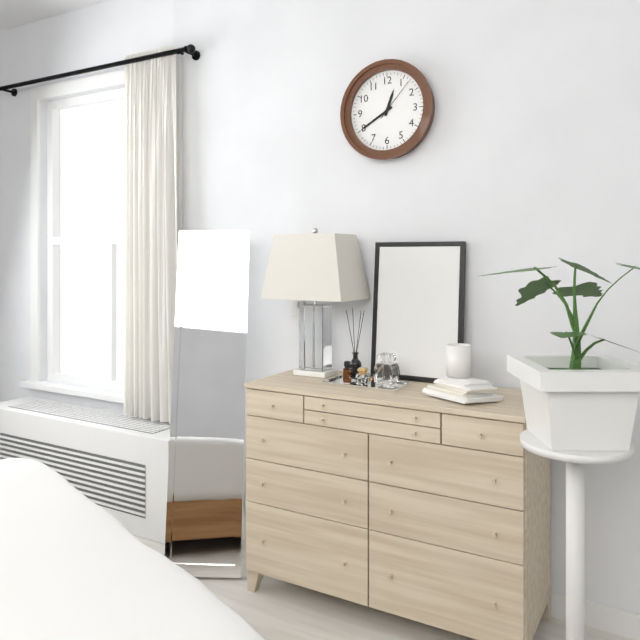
12:40
